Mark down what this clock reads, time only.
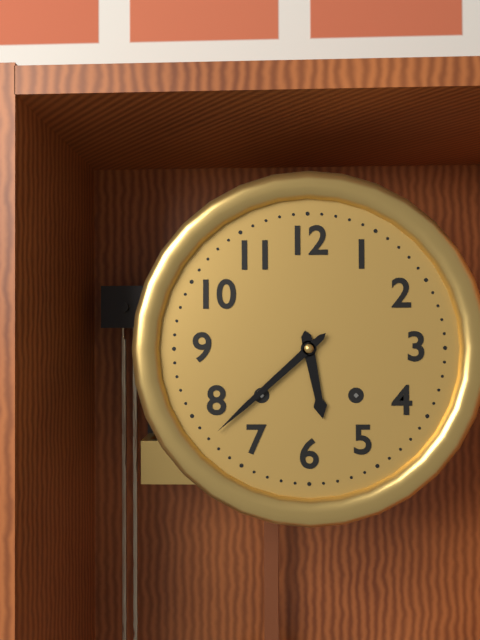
5:38
